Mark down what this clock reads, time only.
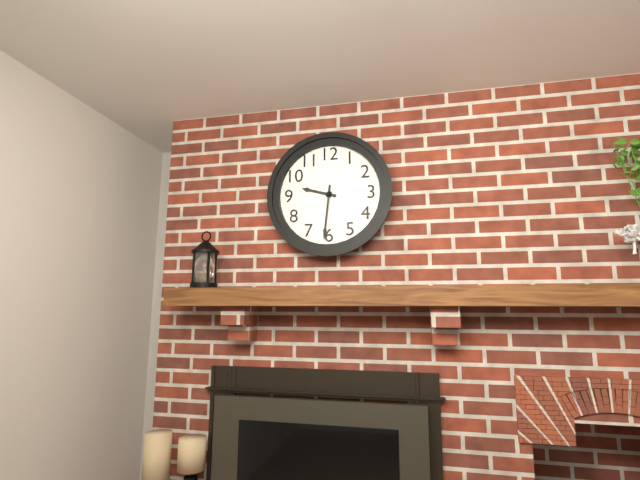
9:31
